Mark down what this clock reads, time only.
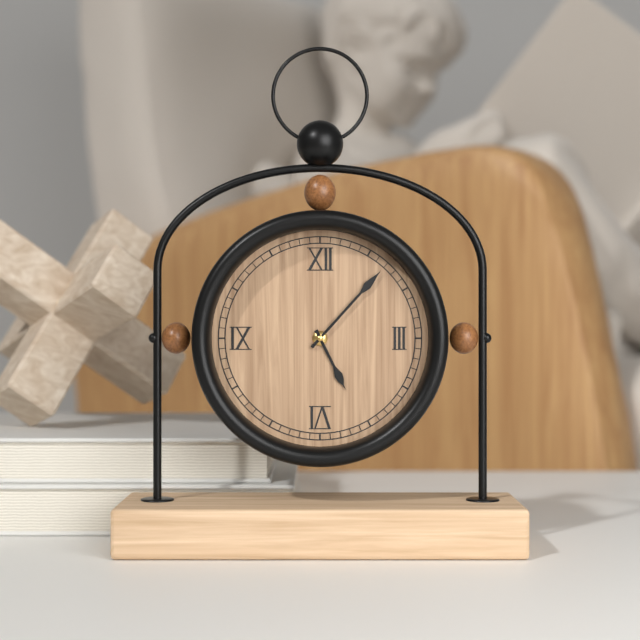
5:07
